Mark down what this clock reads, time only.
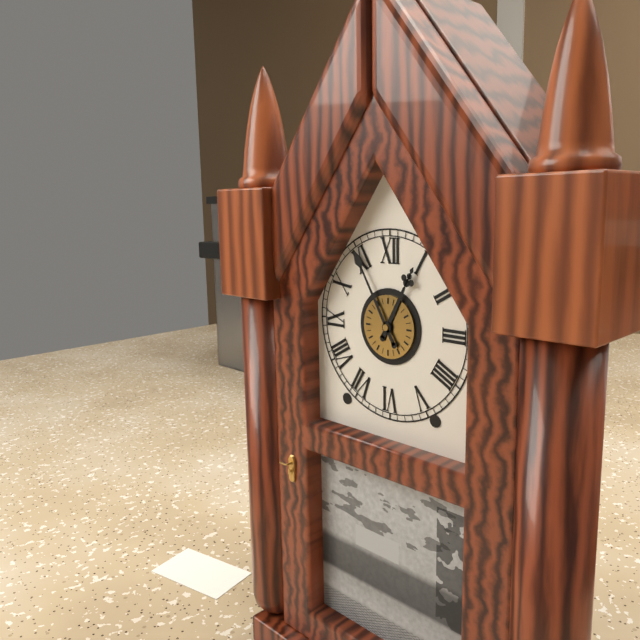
12:55
